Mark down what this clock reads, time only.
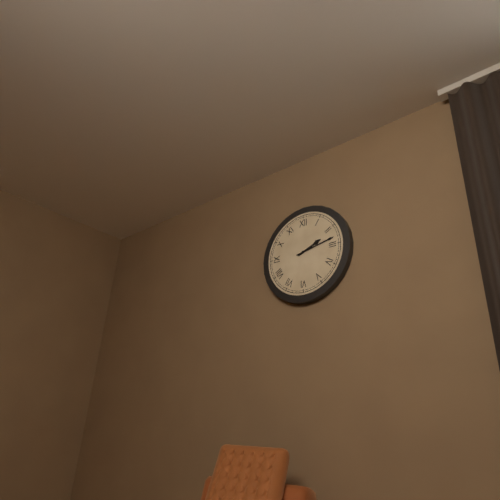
2:13
